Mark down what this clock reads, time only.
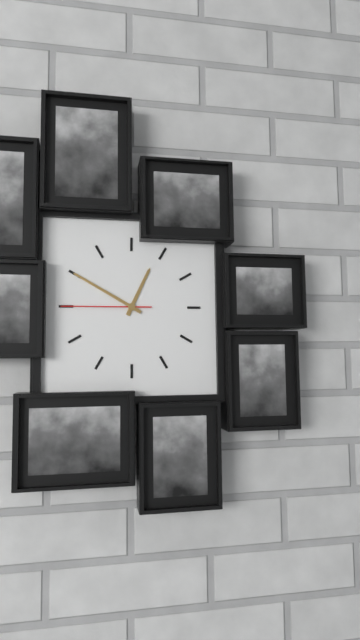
12:50:45
